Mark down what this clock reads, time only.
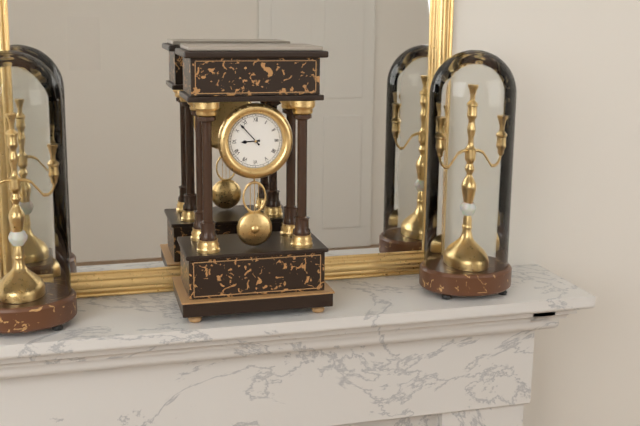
8:53
